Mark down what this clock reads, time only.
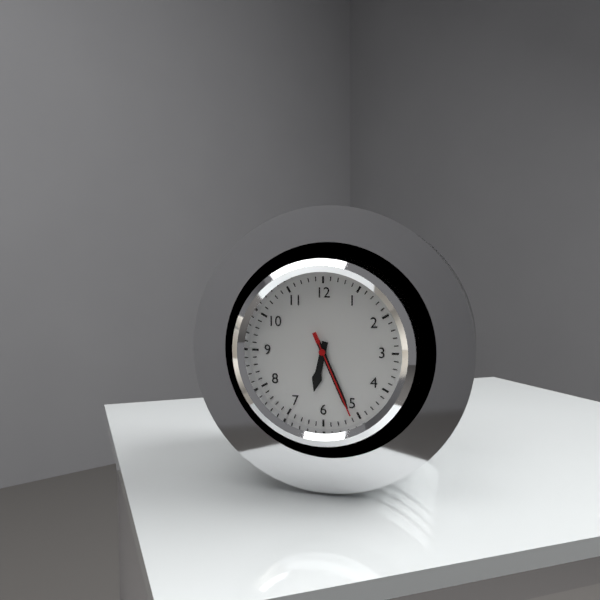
6:26:26
